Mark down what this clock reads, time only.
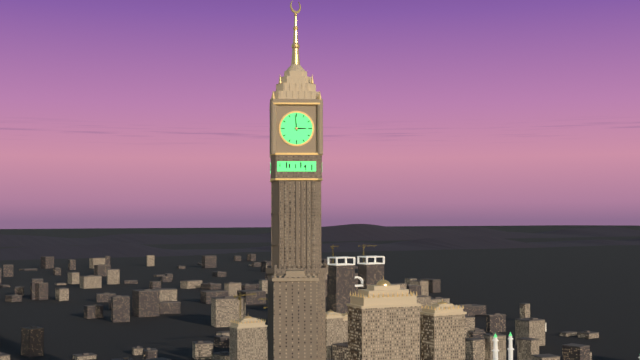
2:59
